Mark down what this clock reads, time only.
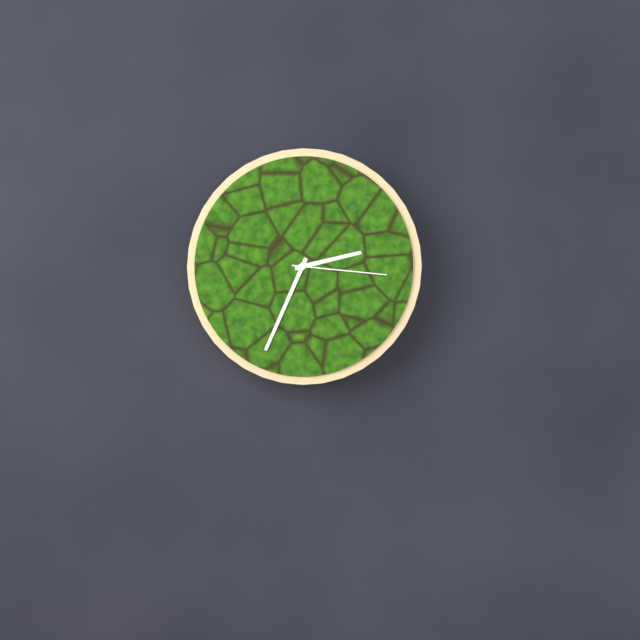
2:34:16
